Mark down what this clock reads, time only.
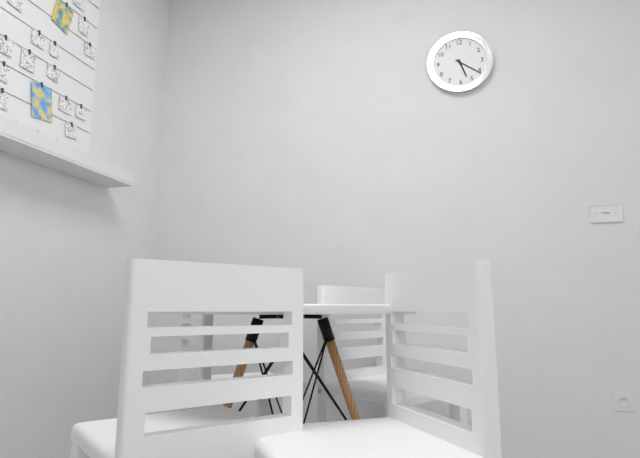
5:21
